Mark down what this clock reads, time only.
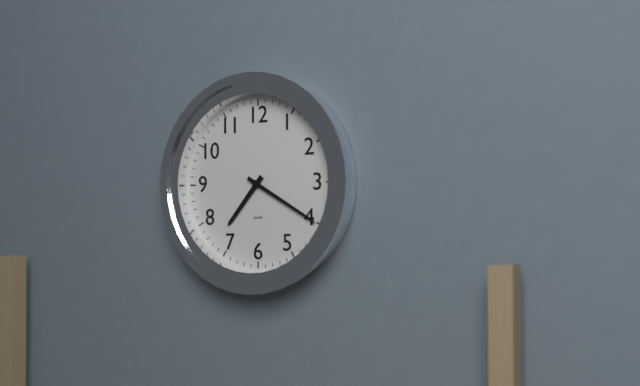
7:20
